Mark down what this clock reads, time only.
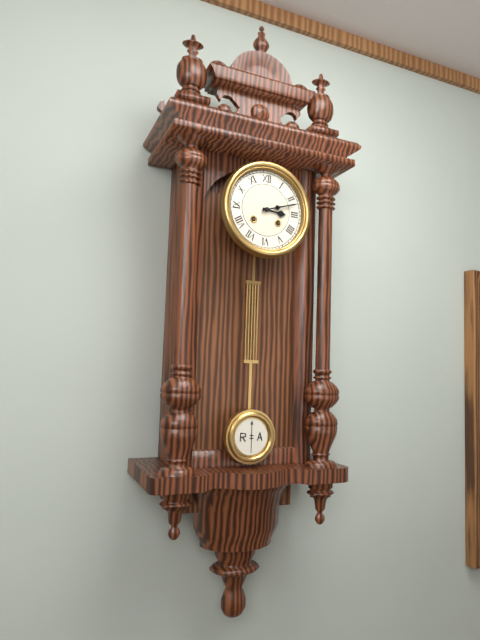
3:12
